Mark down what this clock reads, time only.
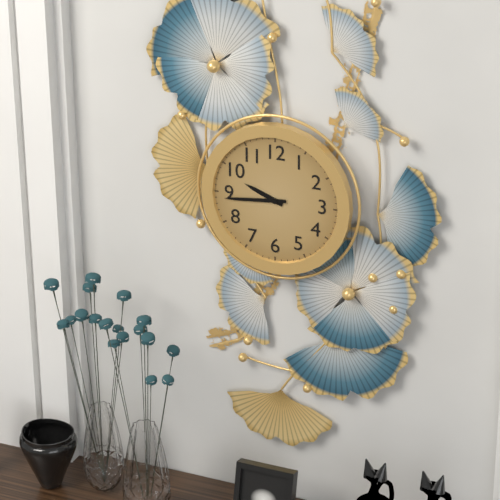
9:44
